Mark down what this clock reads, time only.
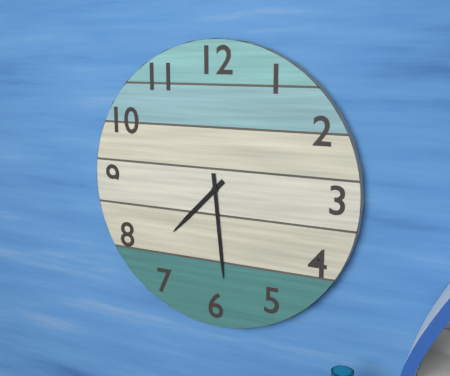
7:29
